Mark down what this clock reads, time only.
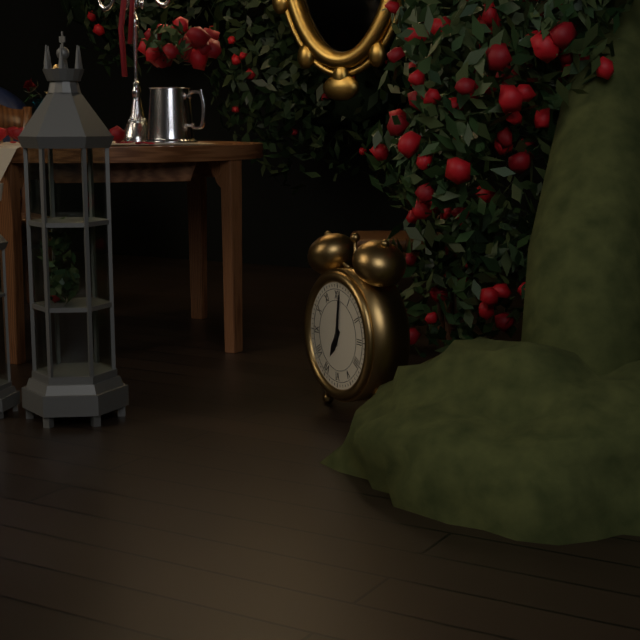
7:01
